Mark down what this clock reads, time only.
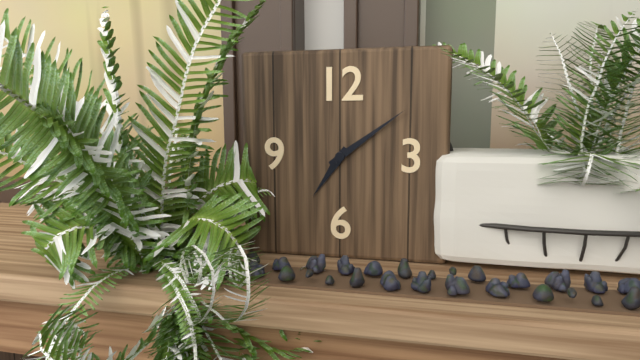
7:09
